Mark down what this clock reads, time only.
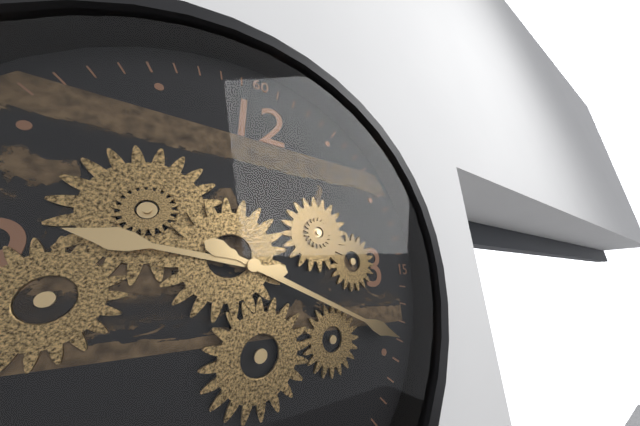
9:19
